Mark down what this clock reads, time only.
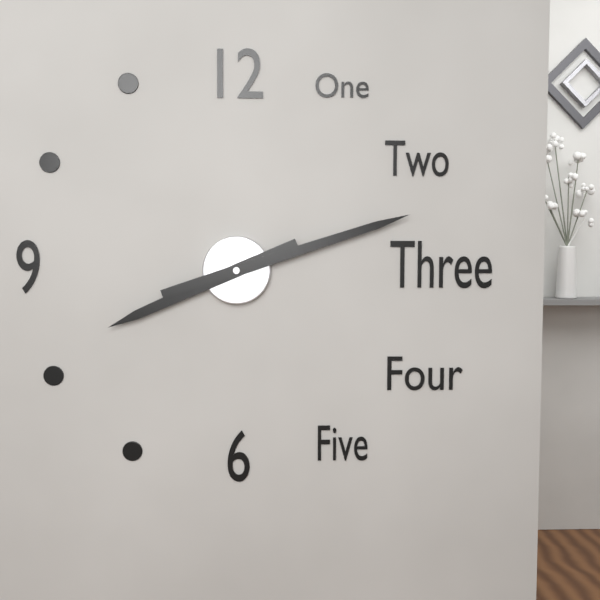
8:12
